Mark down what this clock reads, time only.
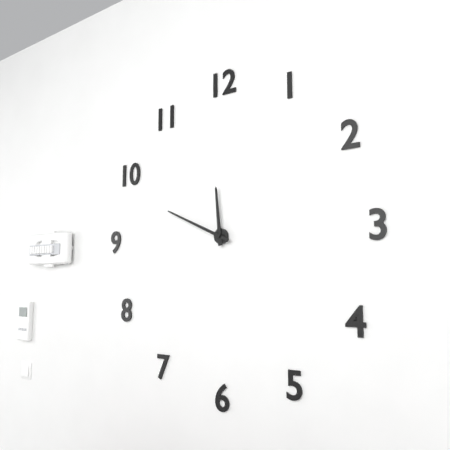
11:49
